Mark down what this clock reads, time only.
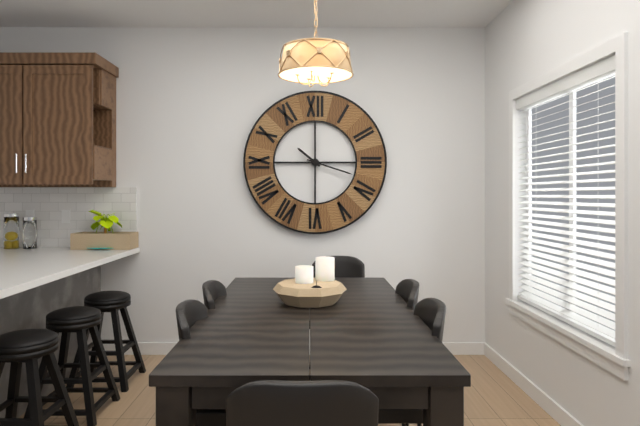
10:18
